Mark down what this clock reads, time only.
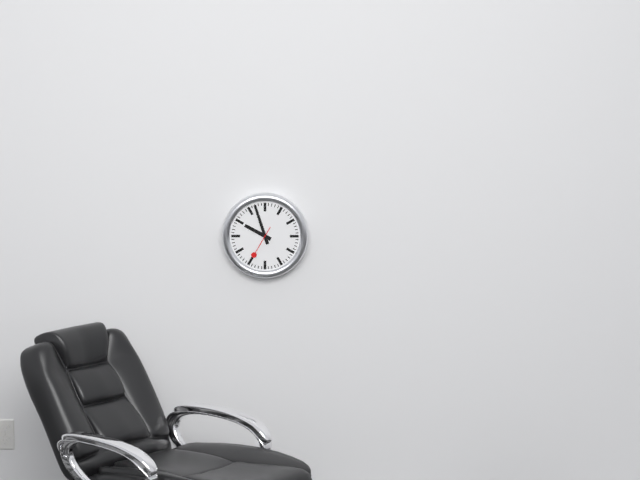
9:57
